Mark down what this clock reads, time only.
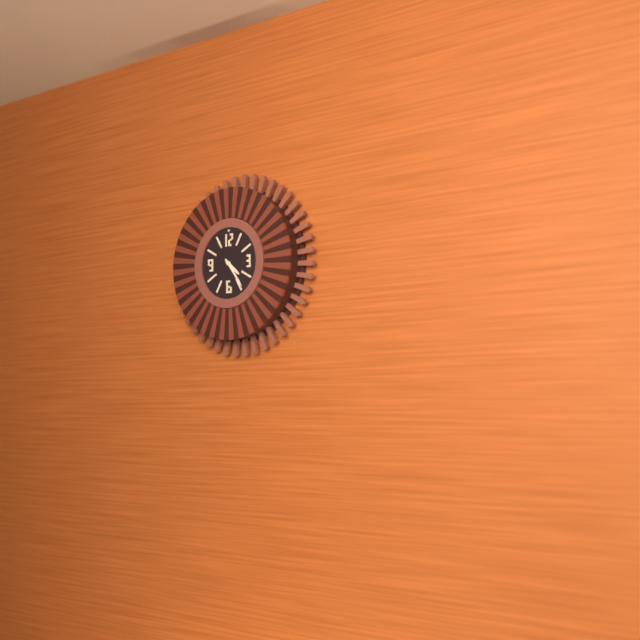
4:24
